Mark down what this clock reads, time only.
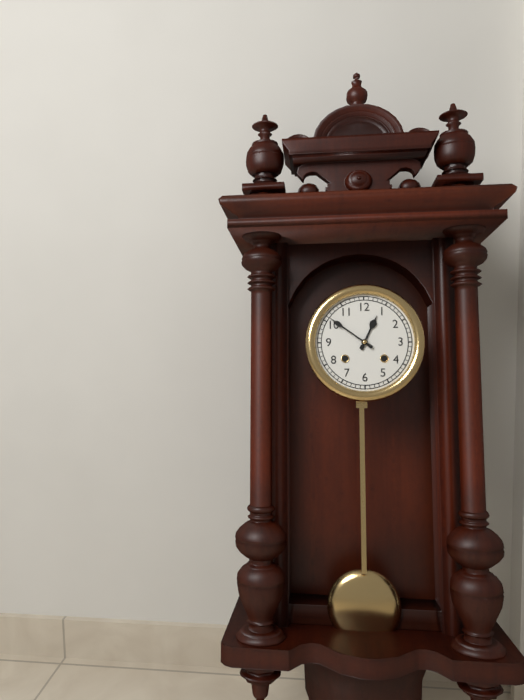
12:51
